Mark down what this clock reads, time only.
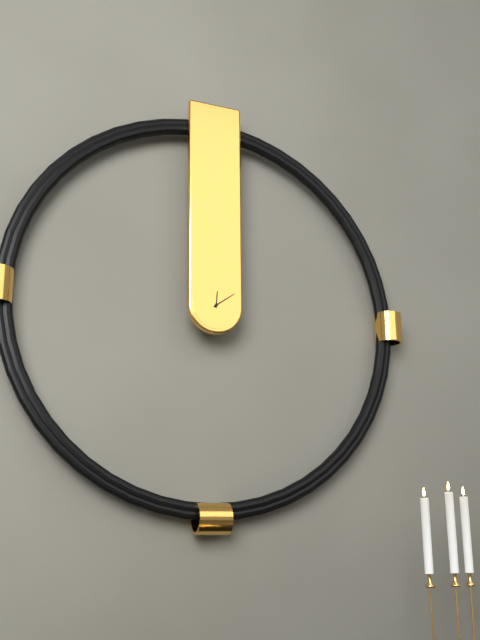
12:09
